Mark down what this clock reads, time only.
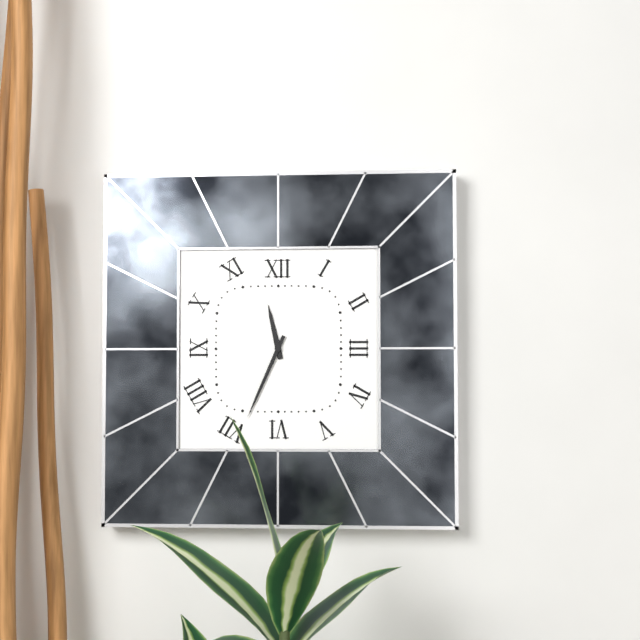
11:34
